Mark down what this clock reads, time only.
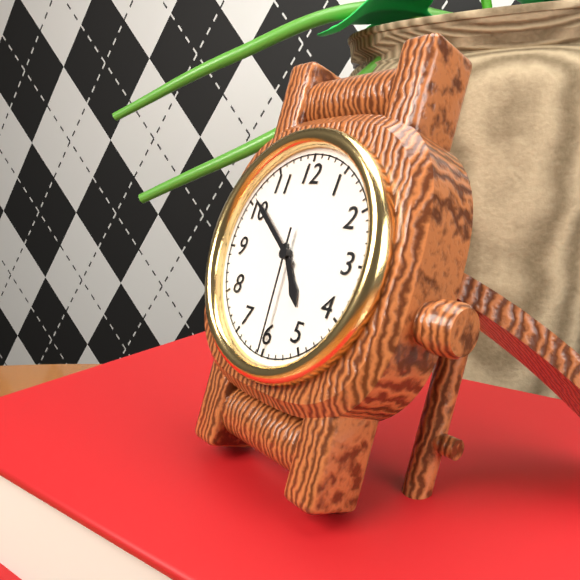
4:51:30
